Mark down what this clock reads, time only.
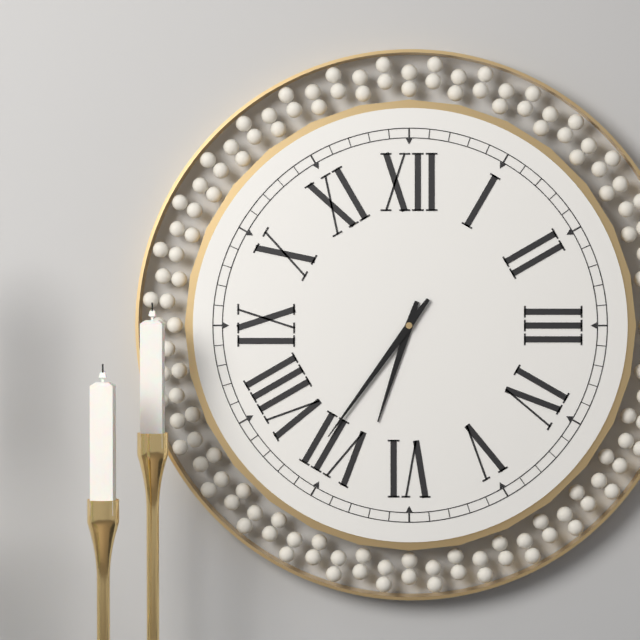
6:36
